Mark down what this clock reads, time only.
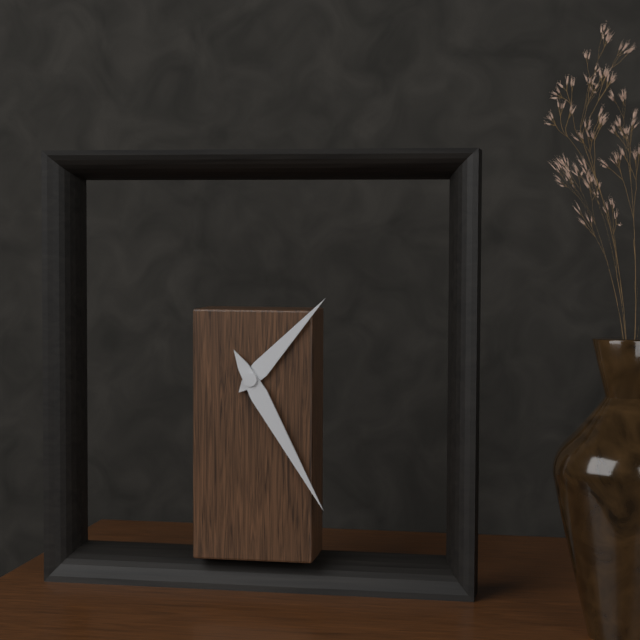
1:25
